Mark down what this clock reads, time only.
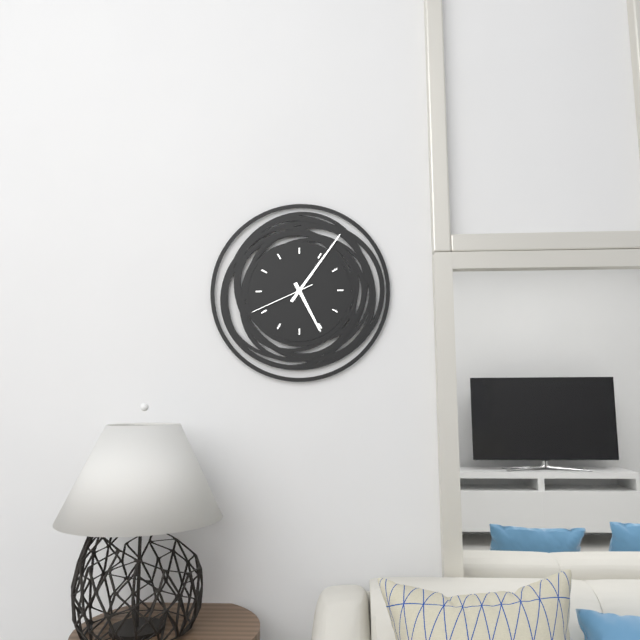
5:06:41
